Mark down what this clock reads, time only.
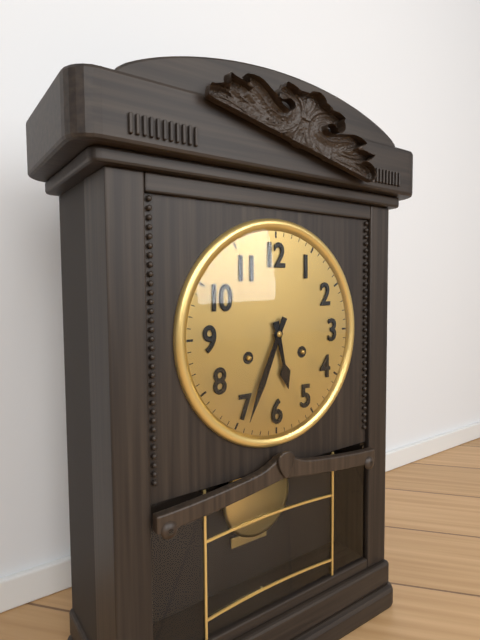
5:34
